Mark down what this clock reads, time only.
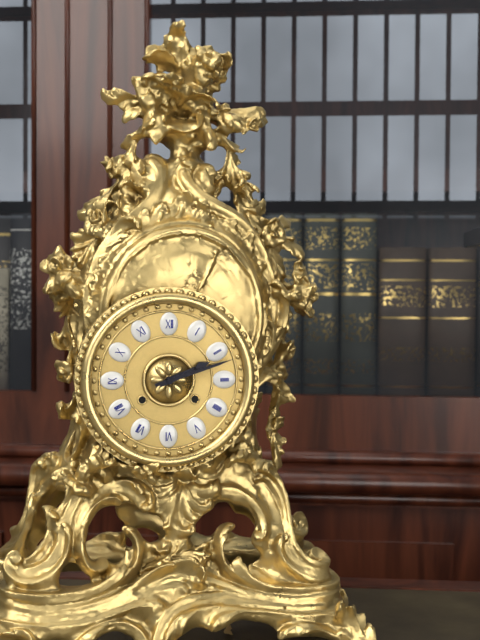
2:12
